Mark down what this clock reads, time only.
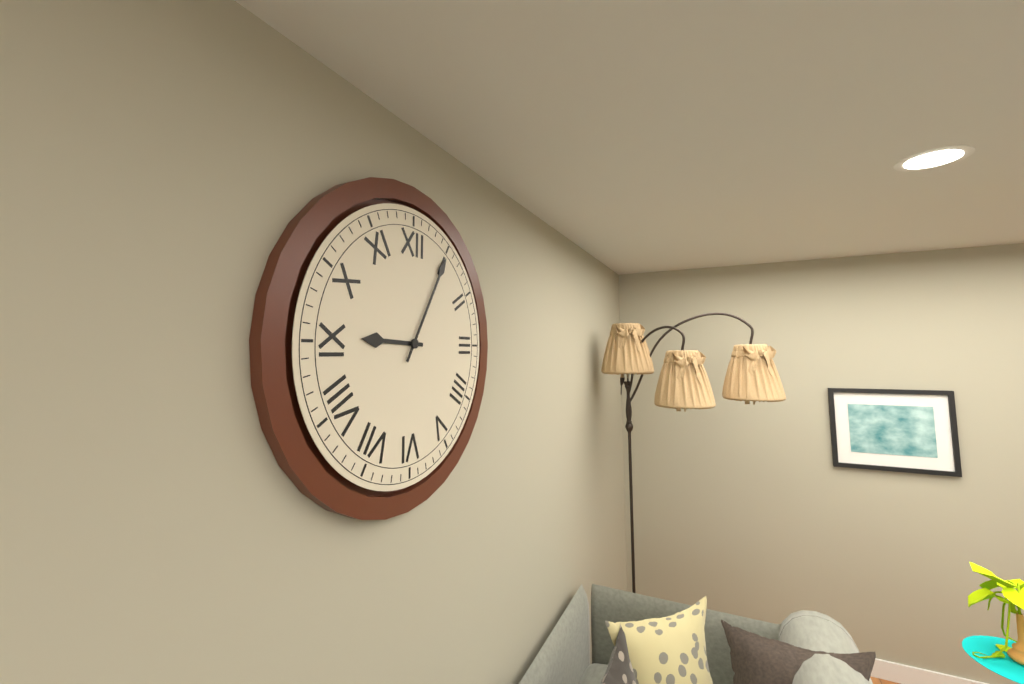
9:05
